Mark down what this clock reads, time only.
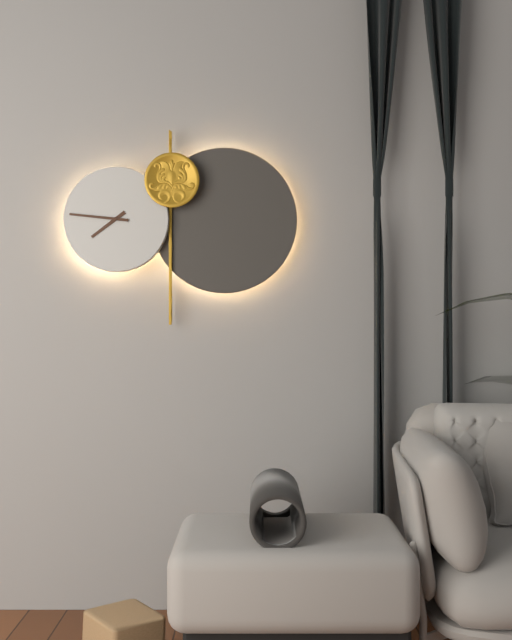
7:46
